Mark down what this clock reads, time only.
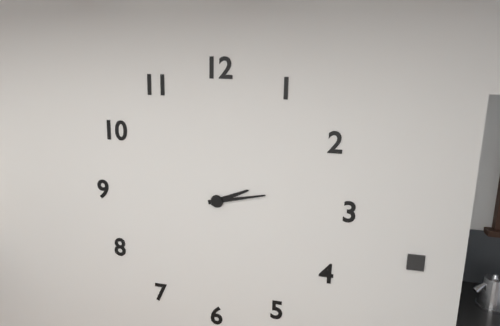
2:13
